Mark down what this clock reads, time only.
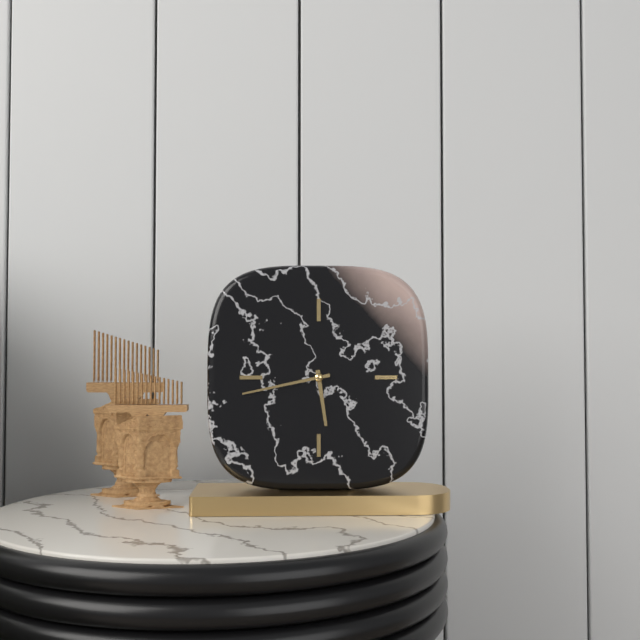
5:43
